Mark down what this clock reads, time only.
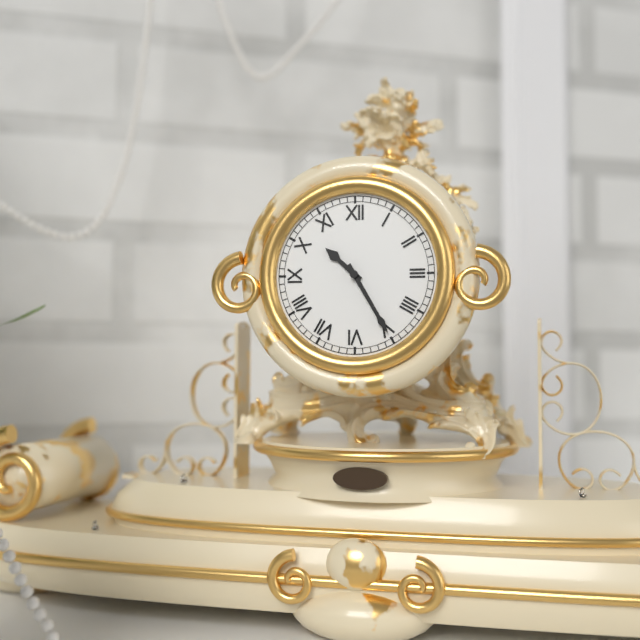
10:25
